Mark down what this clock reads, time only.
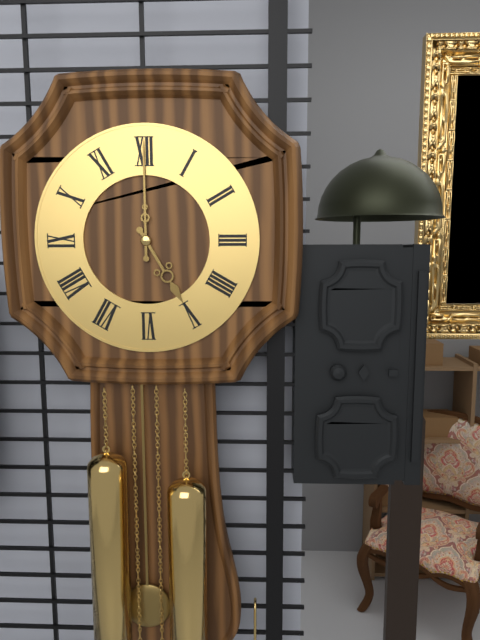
5:00
